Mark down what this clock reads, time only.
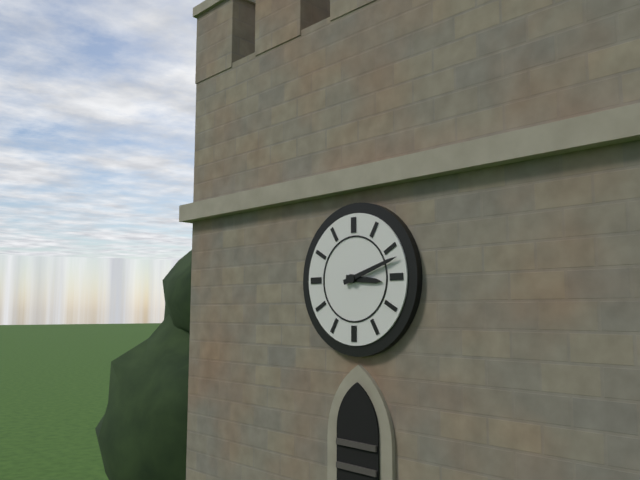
3:12
